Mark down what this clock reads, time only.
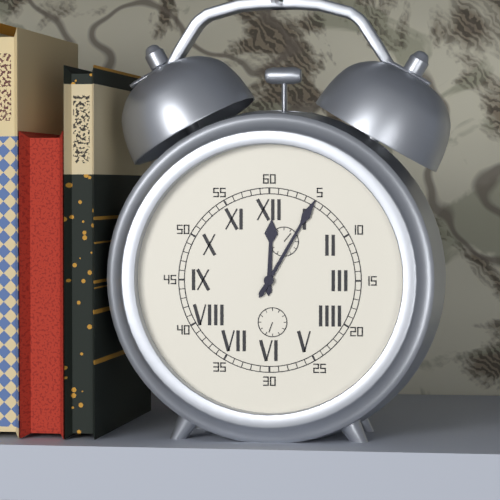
12:05
